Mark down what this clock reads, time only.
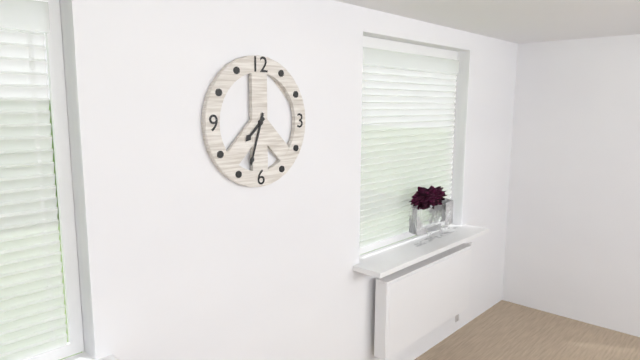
7:33
